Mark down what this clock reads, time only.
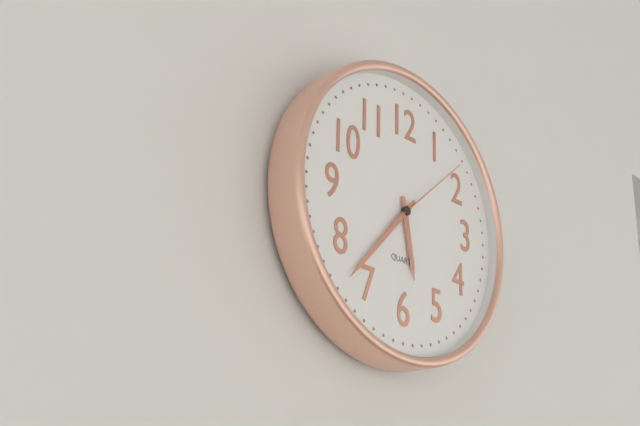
5:37:08
